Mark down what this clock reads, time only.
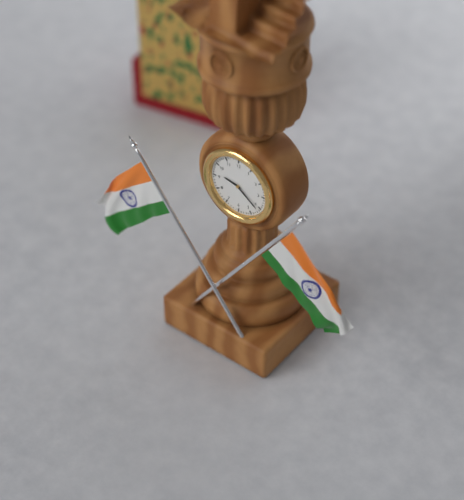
9:21
